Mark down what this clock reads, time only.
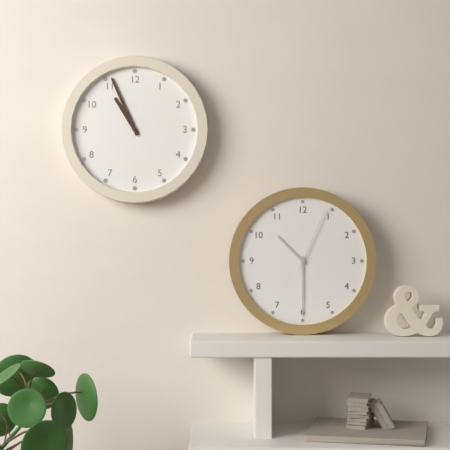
10:56
